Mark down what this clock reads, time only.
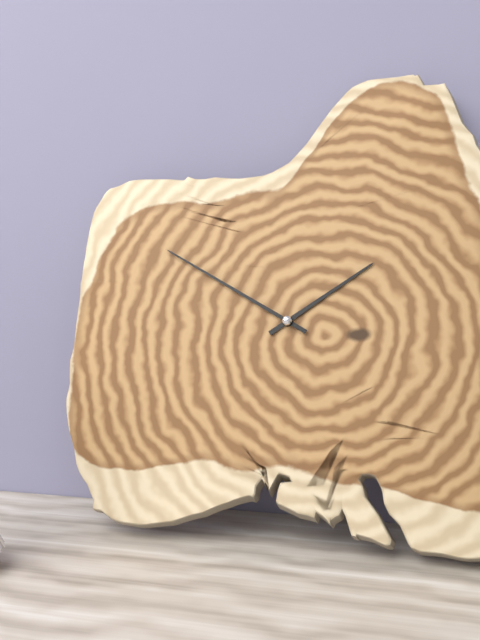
1:50
